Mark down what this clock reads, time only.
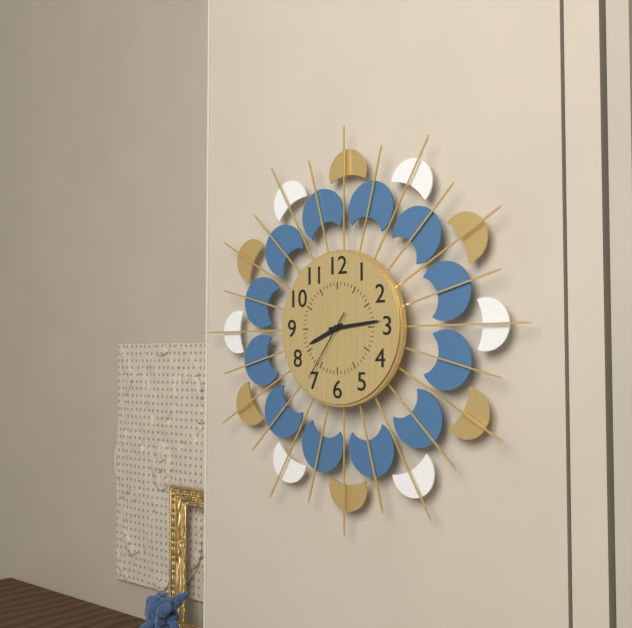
8:14:36
